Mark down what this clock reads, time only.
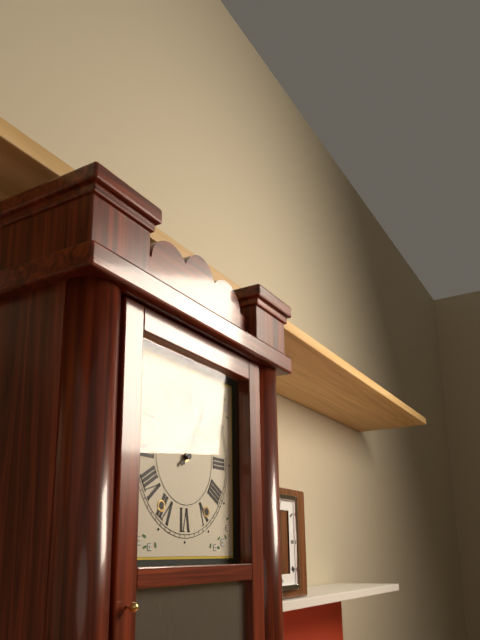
1:08
